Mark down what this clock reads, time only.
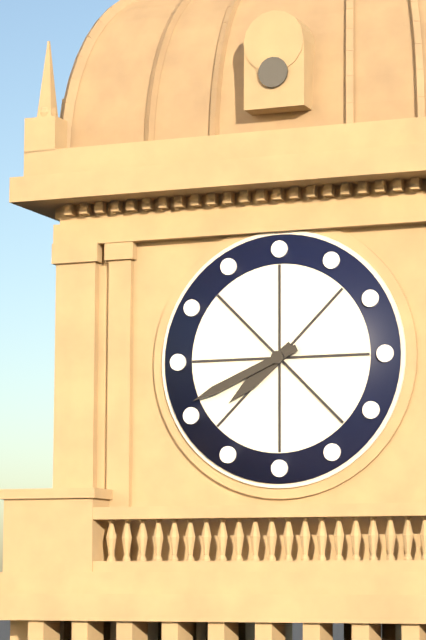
7:41
